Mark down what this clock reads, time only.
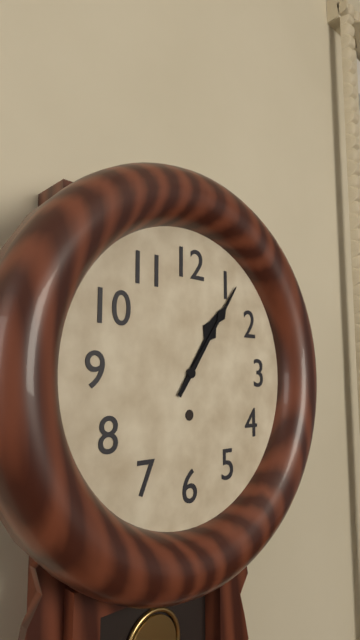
1:06
